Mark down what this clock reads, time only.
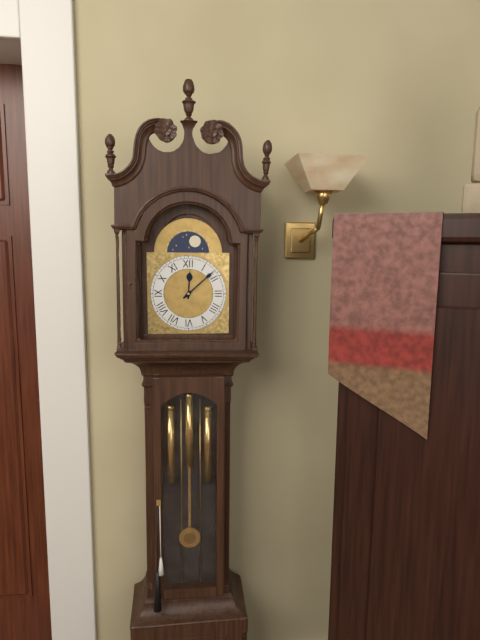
12:08
